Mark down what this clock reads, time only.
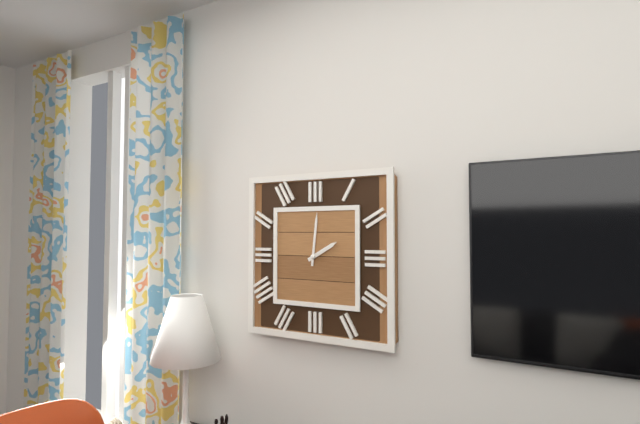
2:01
